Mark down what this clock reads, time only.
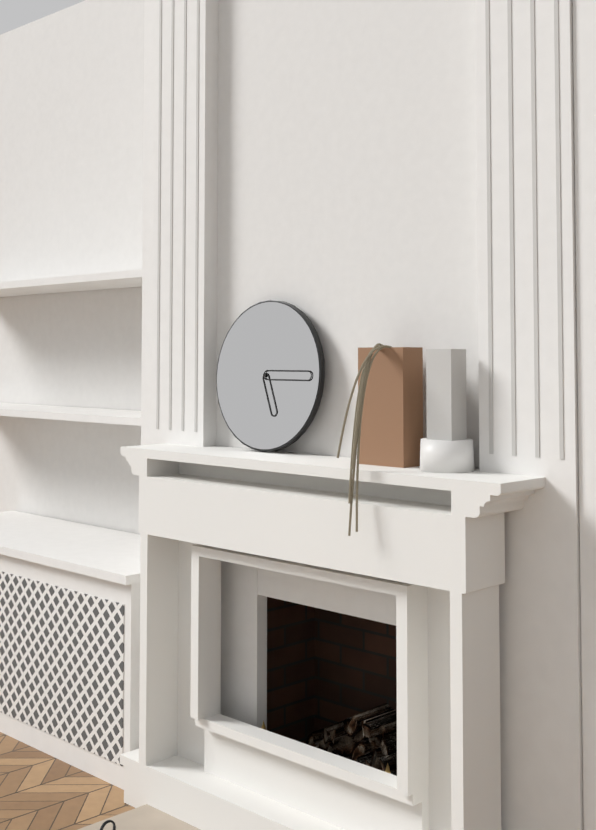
5:15
